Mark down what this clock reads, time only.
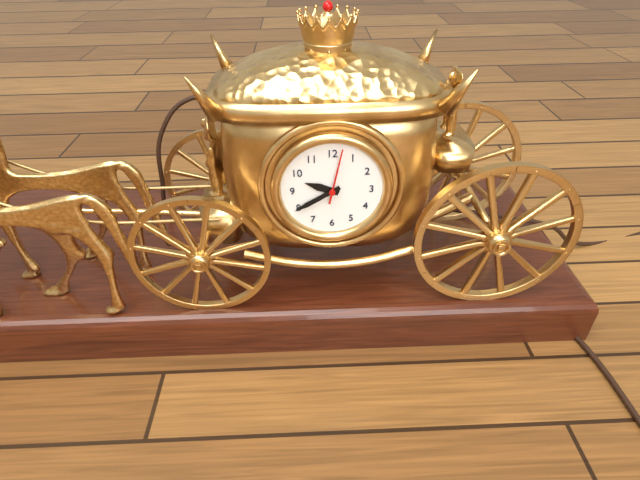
9:40:02
